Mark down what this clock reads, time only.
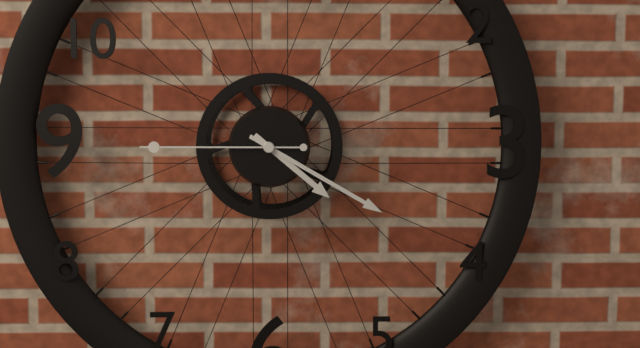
4:20:45
